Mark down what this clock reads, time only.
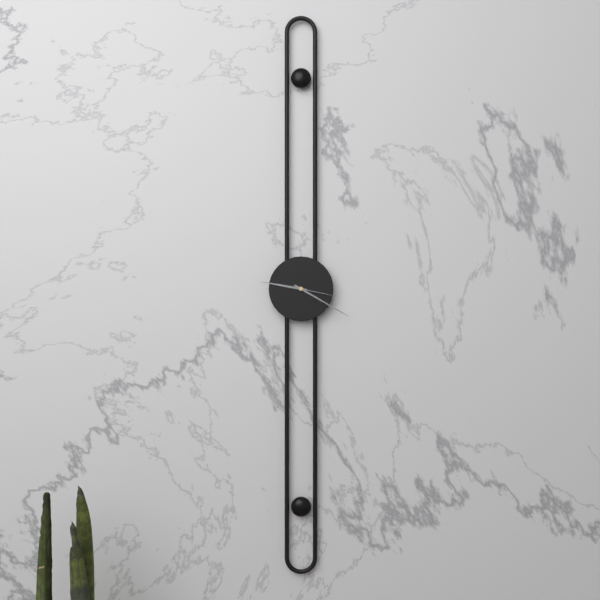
9:20
